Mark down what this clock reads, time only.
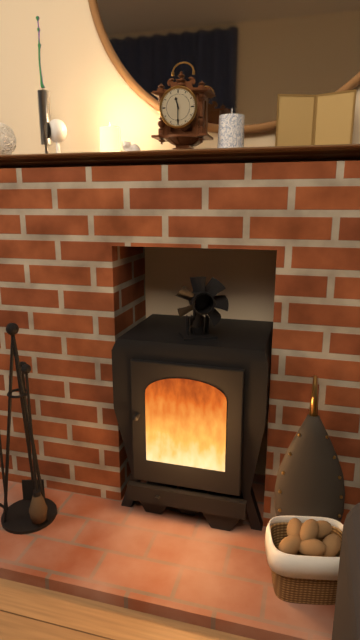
11:30
